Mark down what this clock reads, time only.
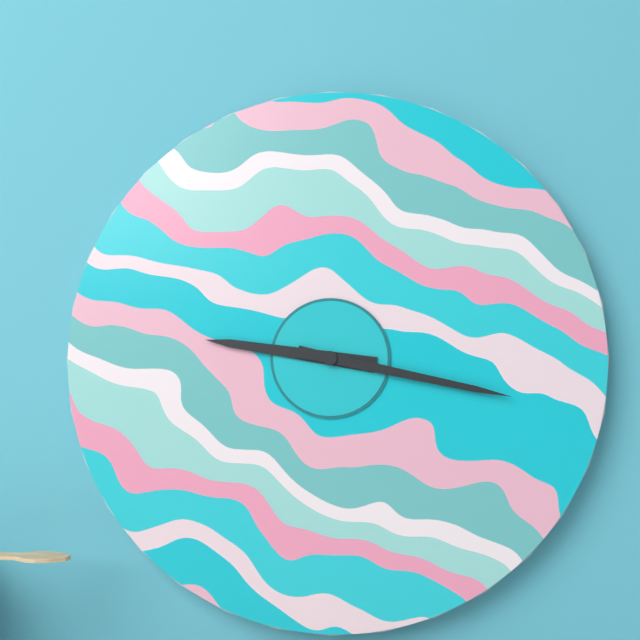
9:17
